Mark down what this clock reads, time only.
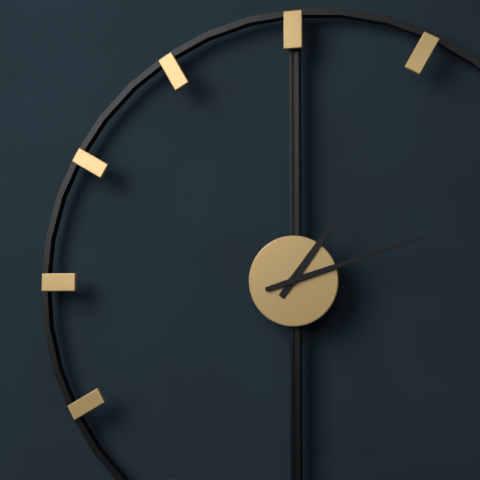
1:12
